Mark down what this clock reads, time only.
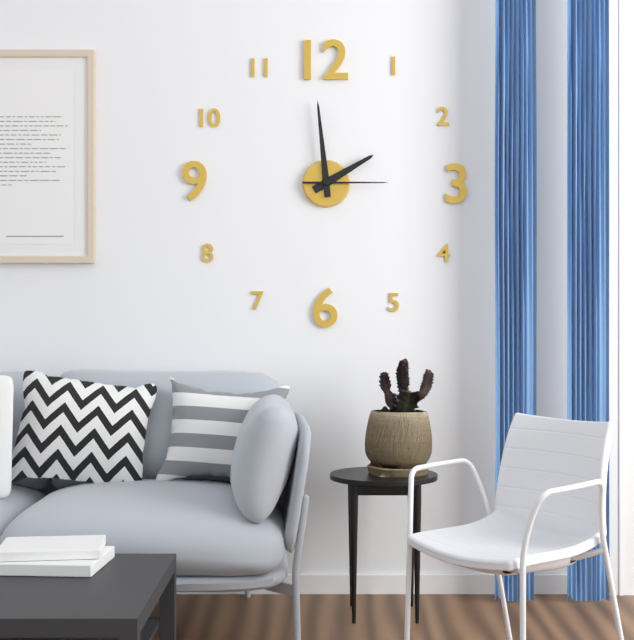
1:59:15
